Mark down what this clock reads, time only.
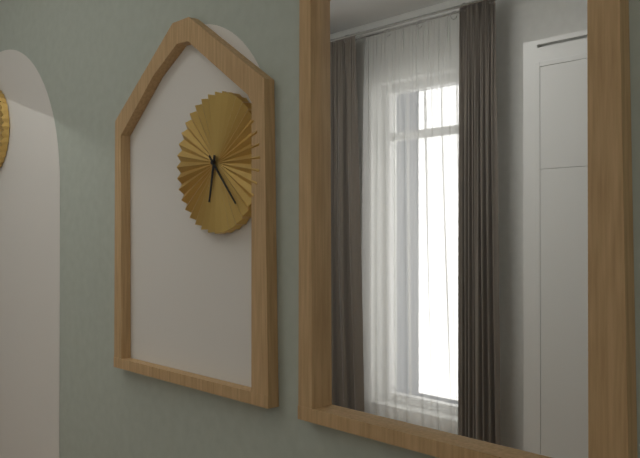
6:23
